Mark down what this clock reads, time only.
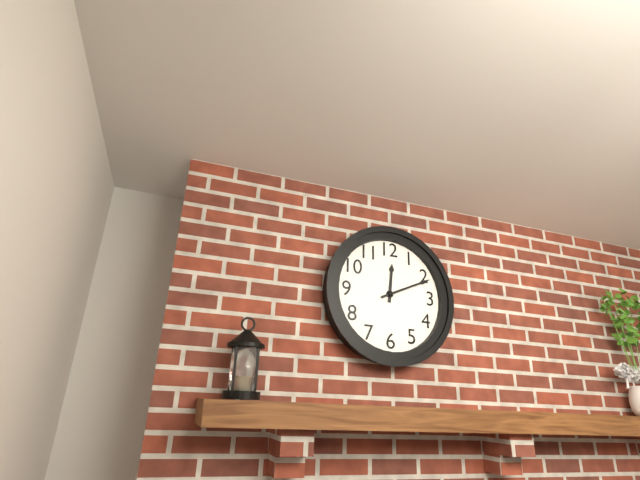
12:11
